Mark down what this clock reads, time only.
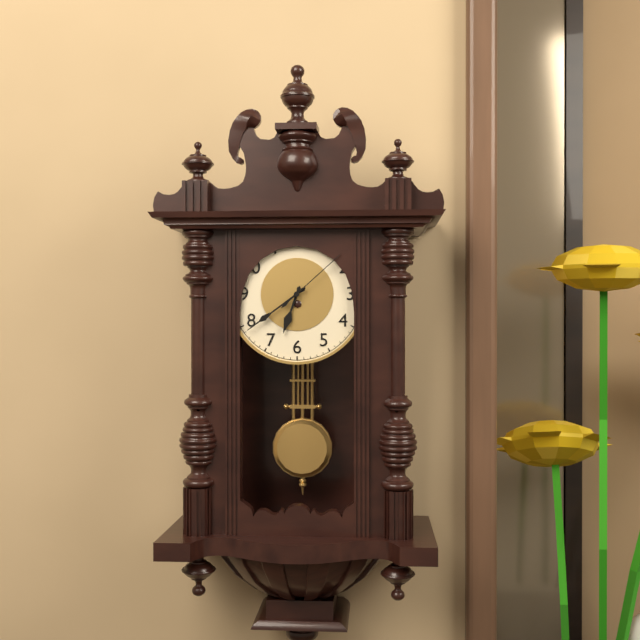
6:39:08
